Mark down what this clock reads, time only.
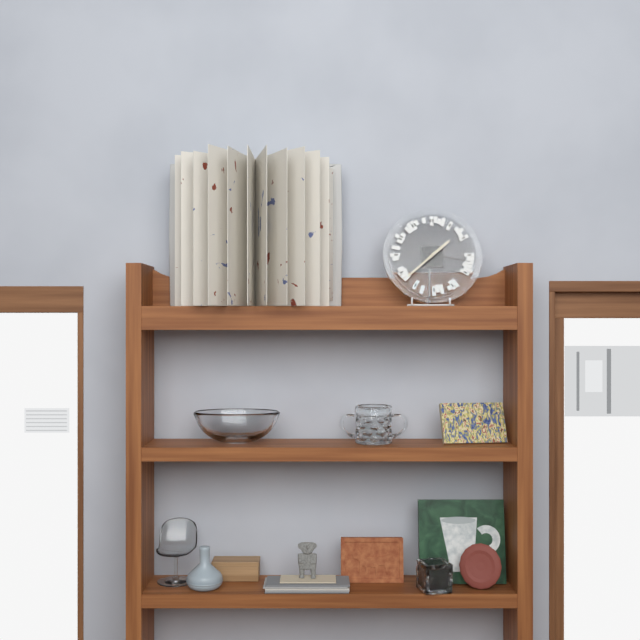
1:38
